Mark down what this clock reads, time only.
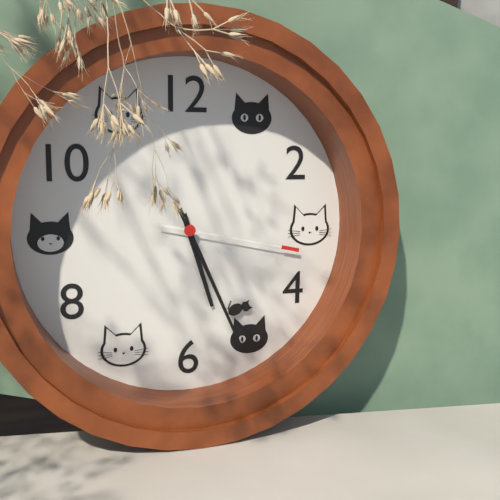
5:26:17
